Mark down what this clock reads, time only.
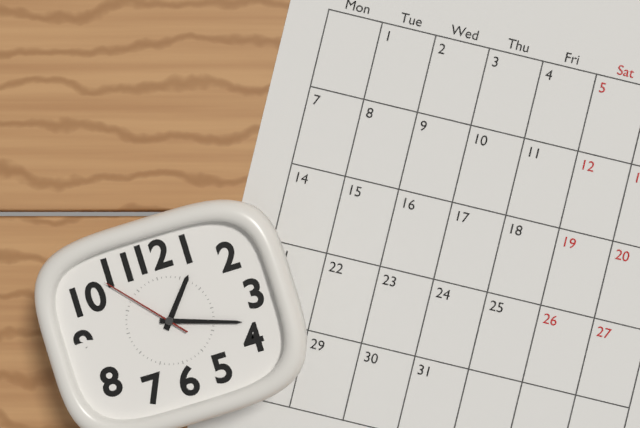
1:18:53
